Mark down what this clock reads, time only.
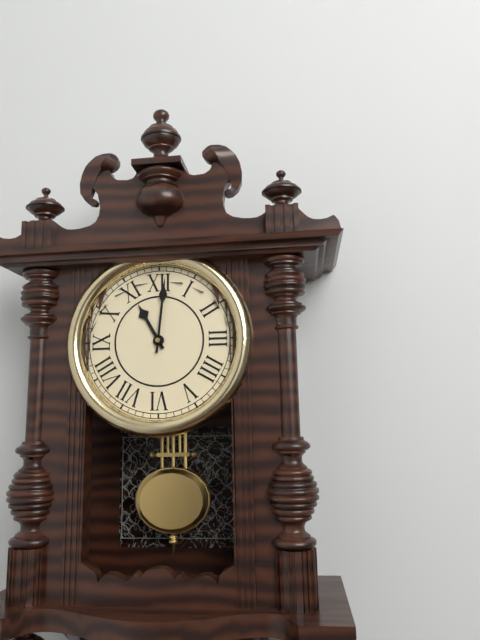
11:01
